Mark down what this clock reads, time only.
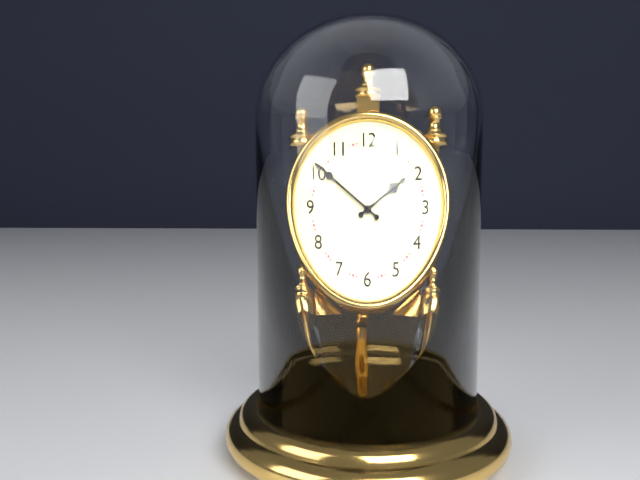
1:51
